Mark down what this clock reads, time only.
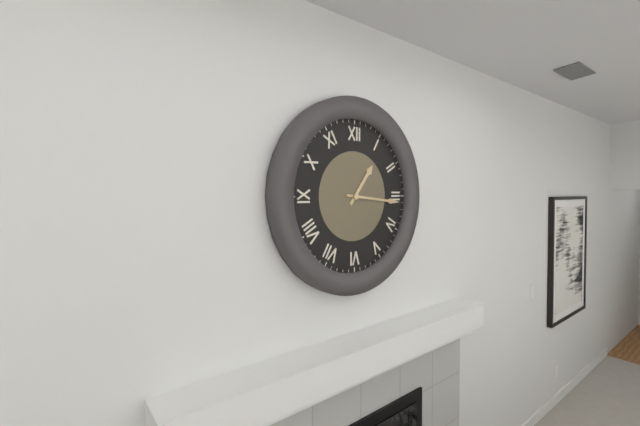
1:16
